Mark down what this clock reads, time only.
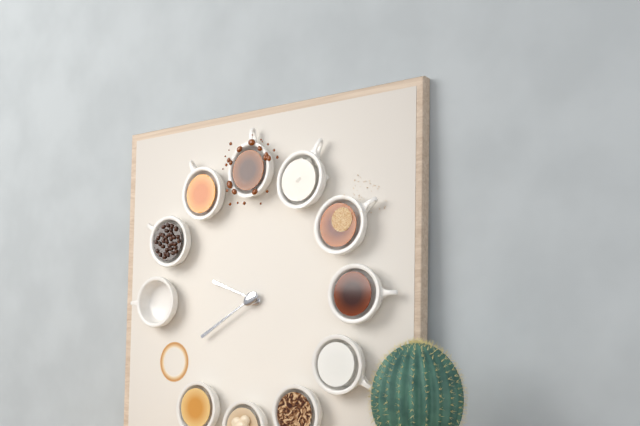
9:40
